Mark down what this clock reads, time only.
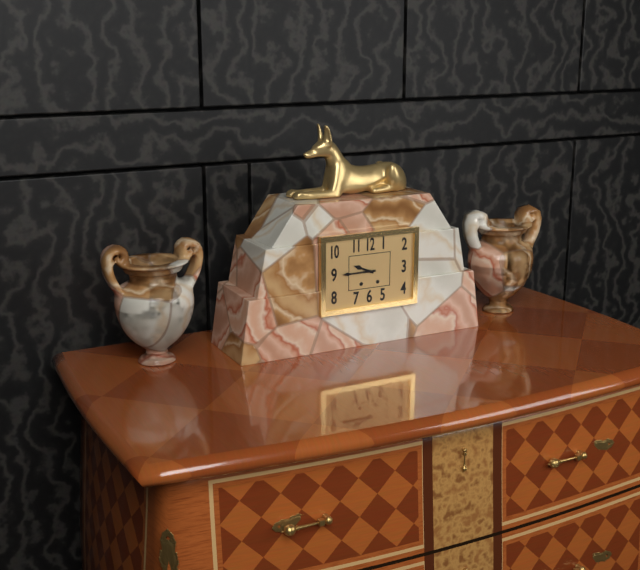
9:45
